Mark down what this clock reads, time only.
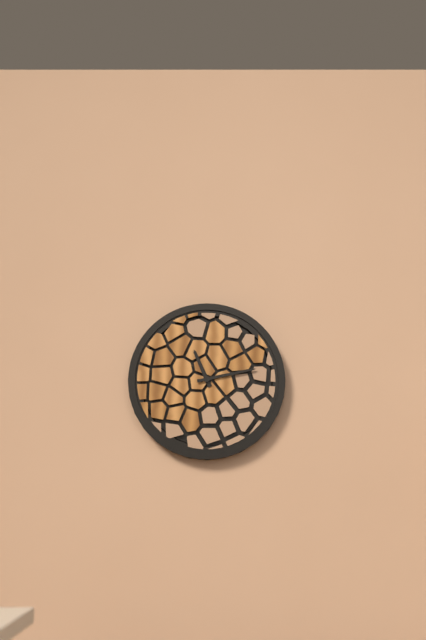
11:13
